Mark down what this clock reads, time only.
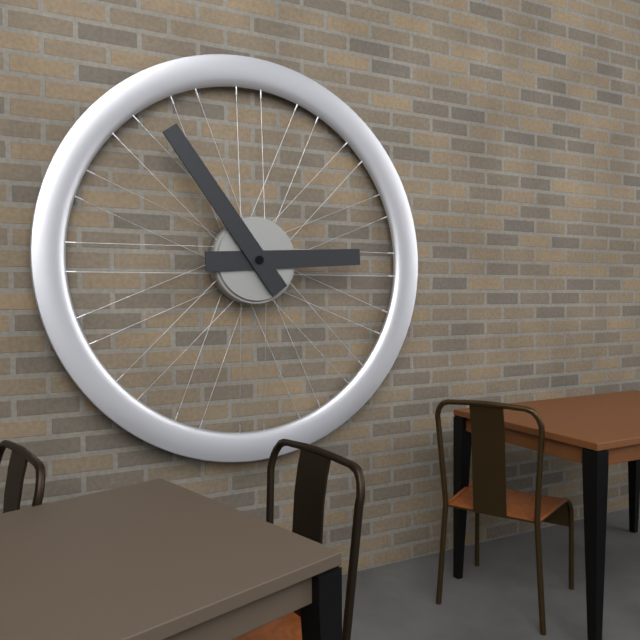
2:54
